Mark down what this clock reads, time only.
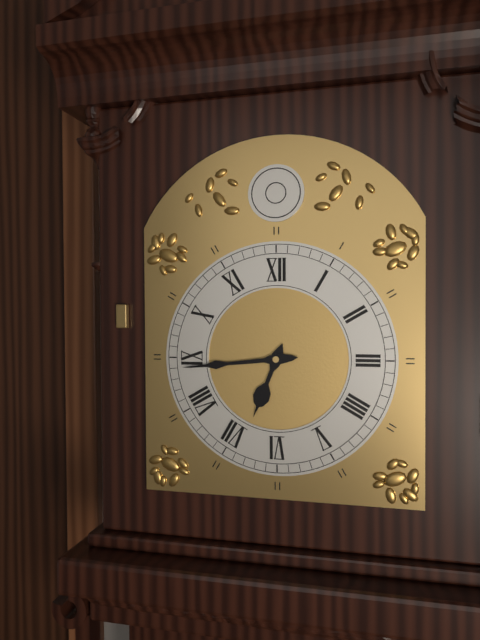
6:44
